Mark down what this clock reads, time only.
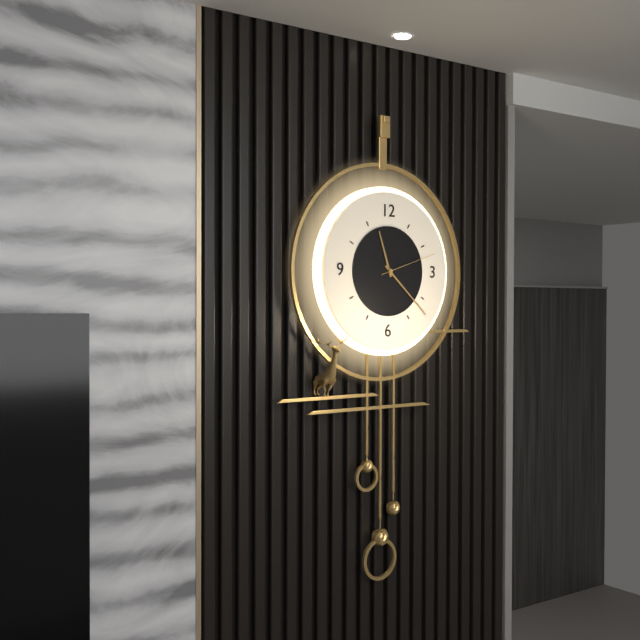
11:22:12
